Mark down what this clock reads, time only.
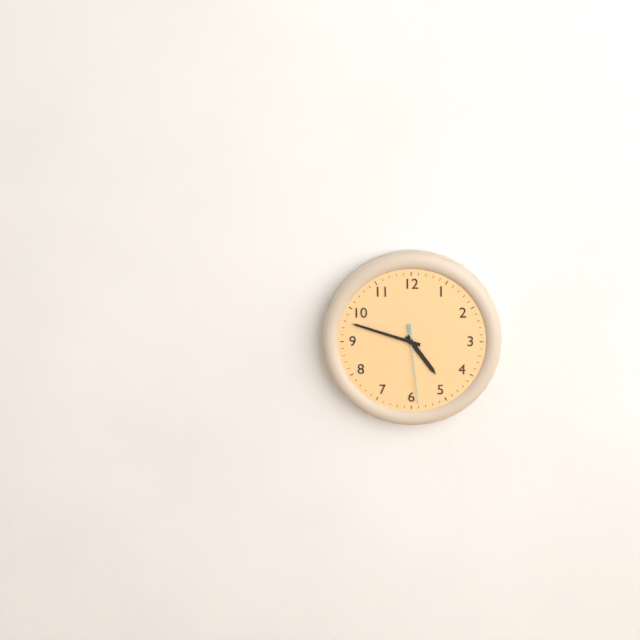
4:48:29
